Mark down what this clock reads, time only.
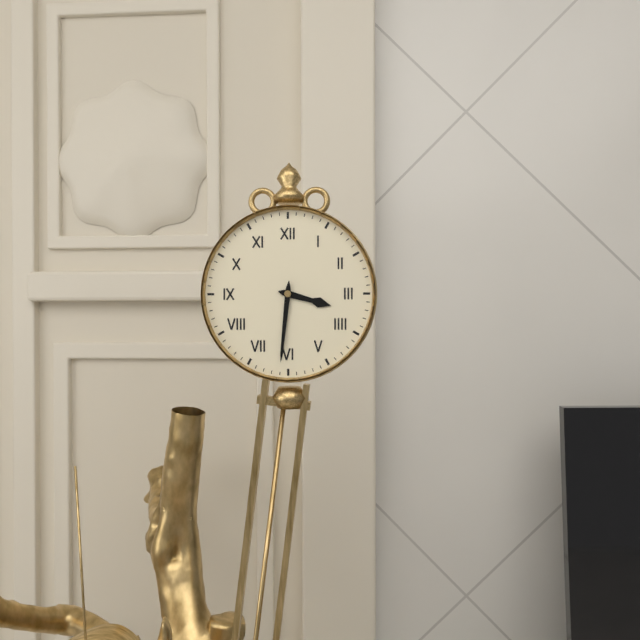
3:31
